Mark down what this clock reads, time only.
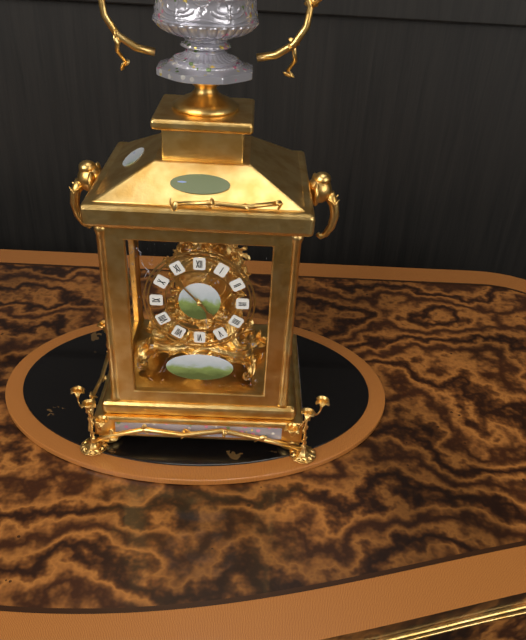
4:53
